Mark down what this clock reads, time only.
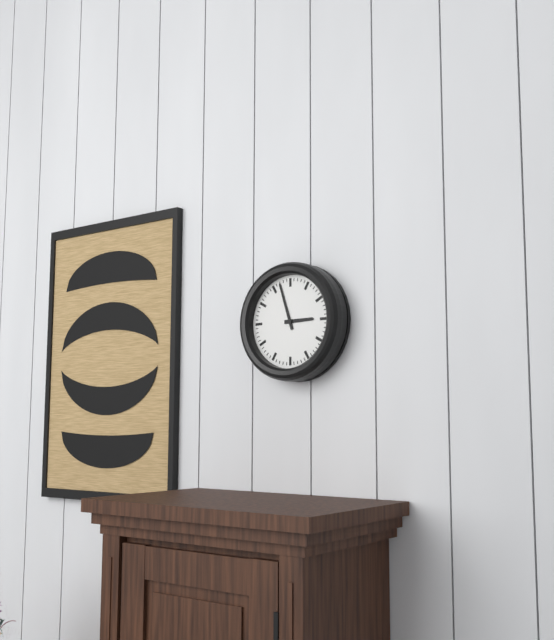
2:57
